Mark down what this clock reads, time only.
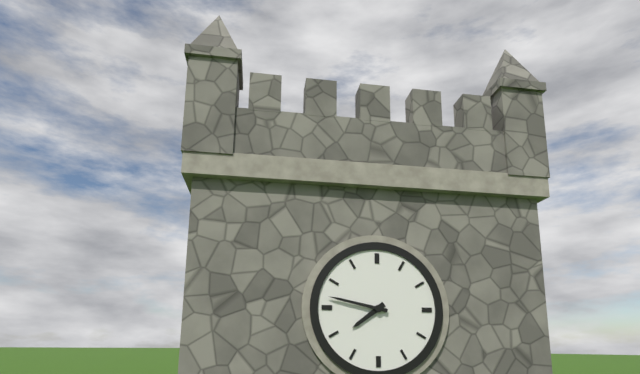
7:47
